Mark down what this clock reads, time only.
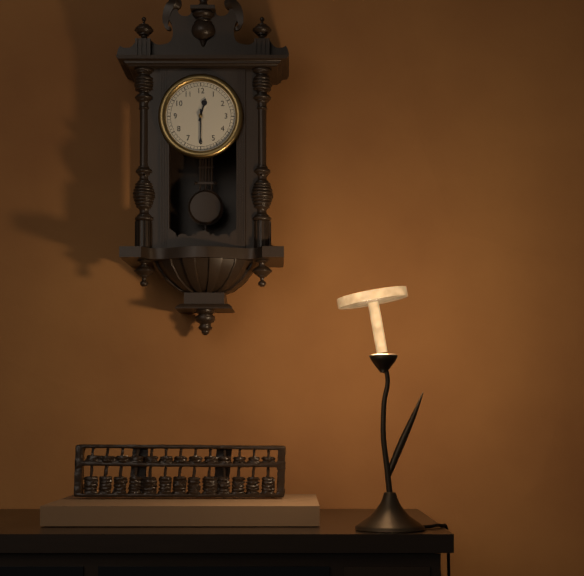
12:30
